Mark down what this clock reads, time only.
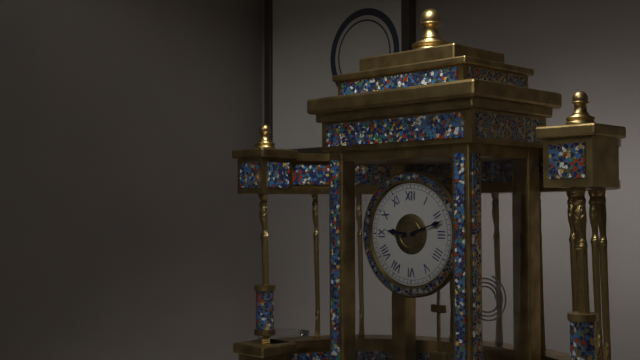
9:12
